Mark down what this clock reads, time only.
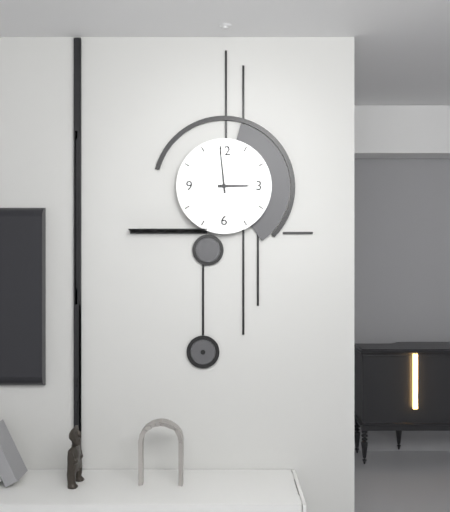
2:59
